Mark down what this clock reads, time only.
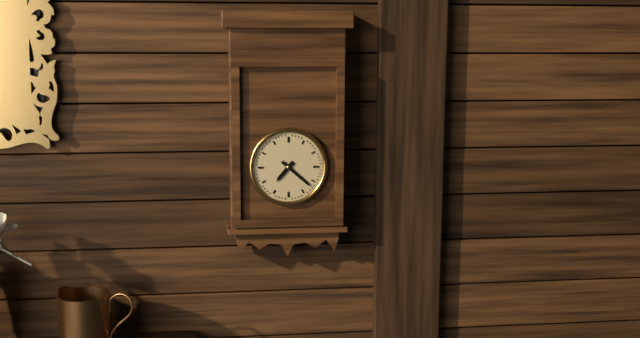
7:22
